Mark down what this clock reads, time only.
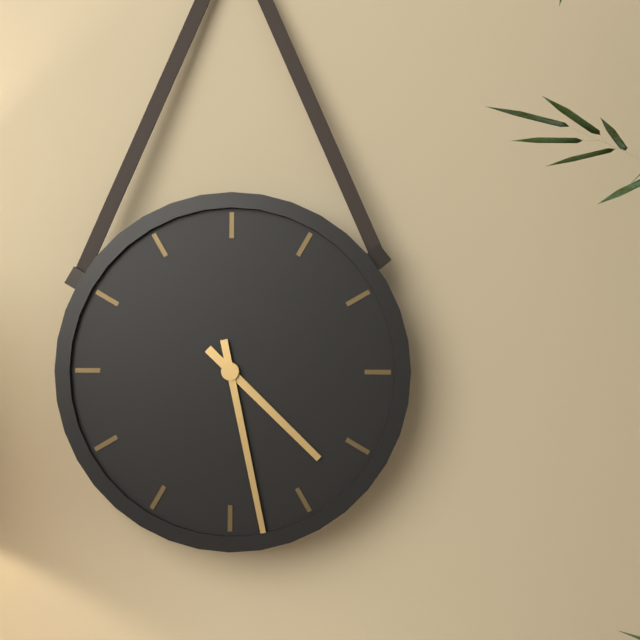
4:28
